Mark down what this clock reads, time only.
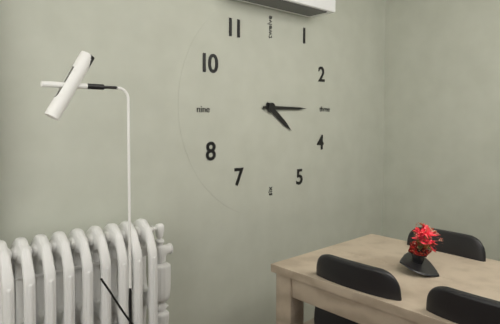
4:15
